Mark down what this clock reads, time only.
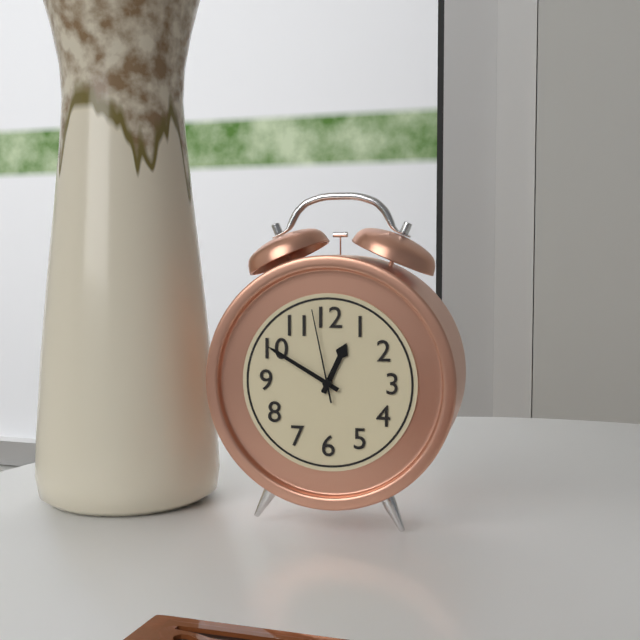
12:50:58
